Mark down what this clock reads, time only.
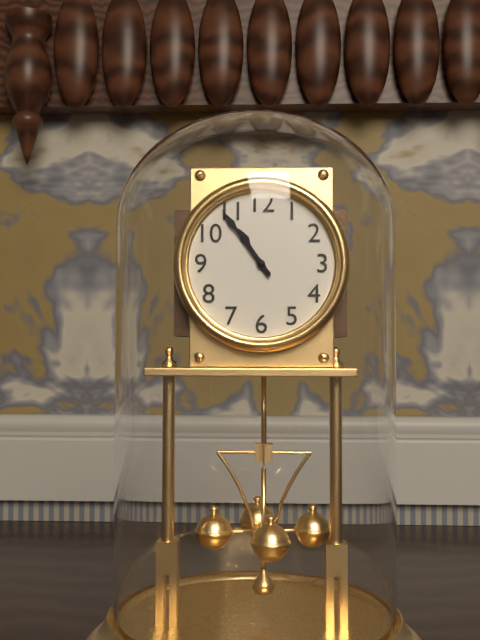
10:54
